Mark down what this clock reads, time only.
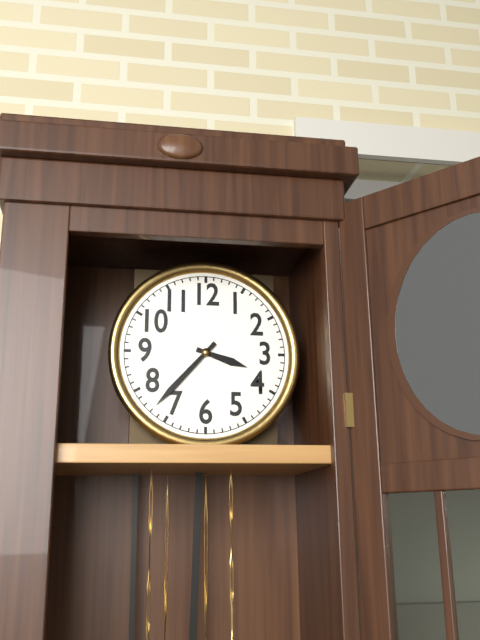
3:37
